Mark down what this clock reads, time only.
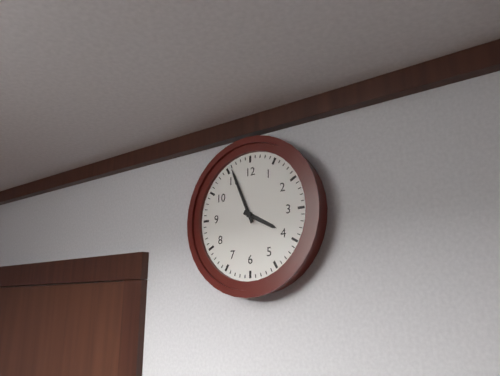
3:56
